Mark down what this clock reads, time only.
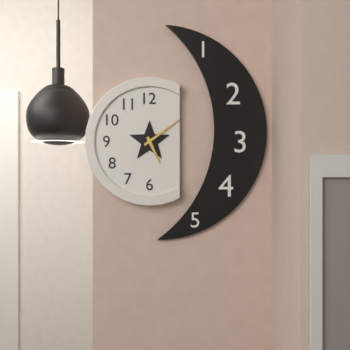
5:09
